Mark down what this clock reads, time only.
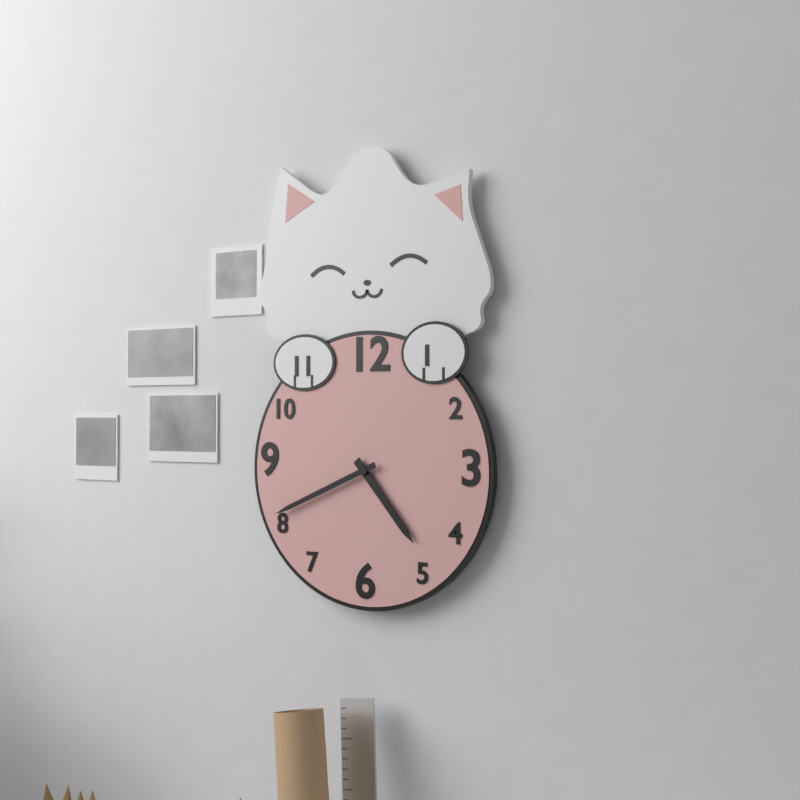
4:41
